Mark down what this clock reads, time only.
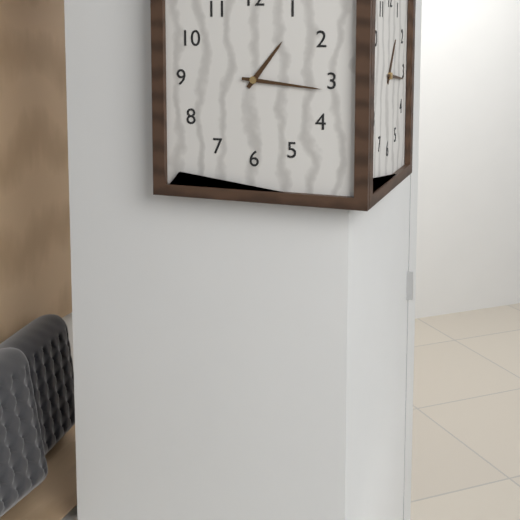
1:16
